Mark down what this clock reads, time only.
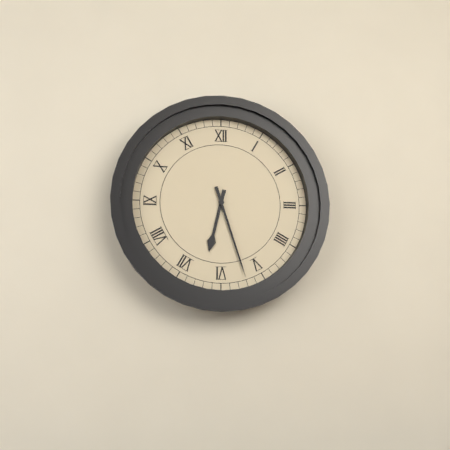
6:27
